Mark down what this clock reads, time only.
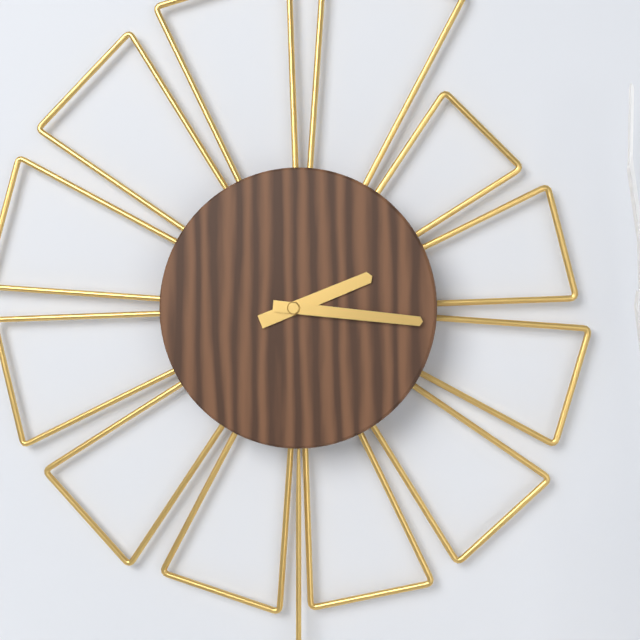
2:16
